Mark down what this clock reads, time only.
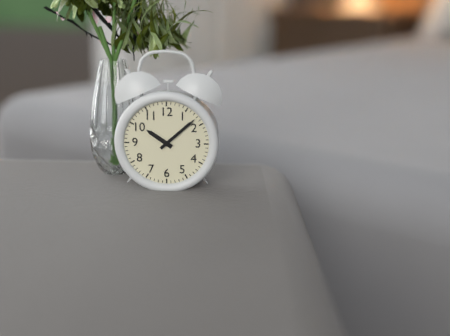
10:08
